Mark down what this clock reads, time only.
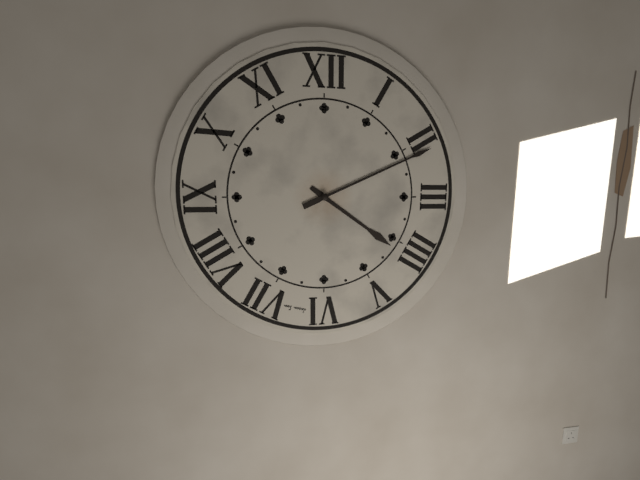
4:11
